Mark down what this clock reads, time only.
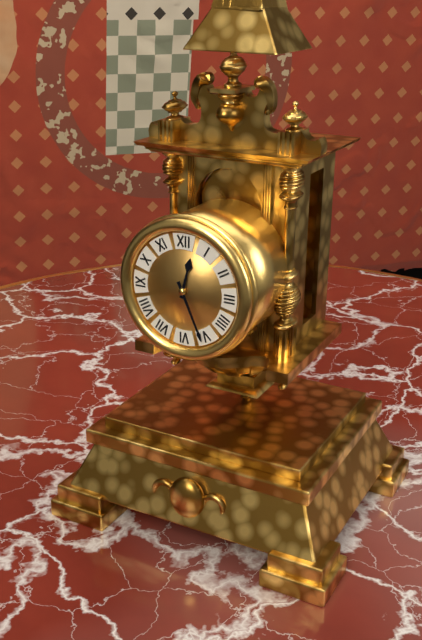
12:26
